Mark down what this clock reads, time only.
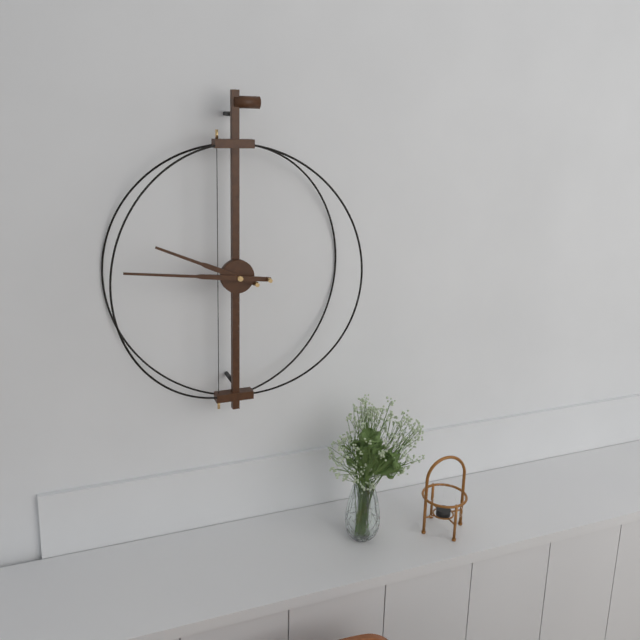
9:46
